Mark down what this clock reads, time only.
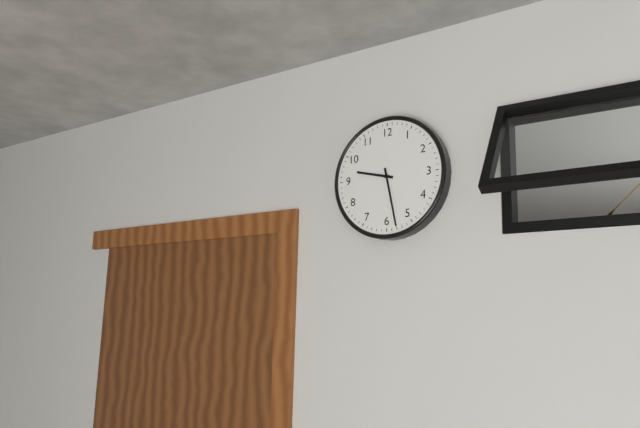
9:28
